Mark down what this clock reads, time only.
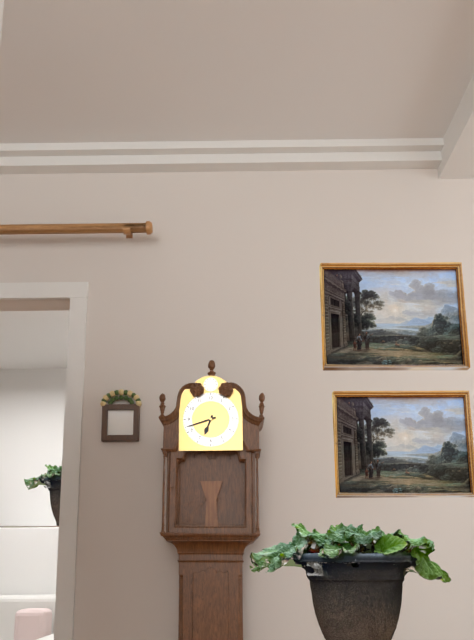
6:42
